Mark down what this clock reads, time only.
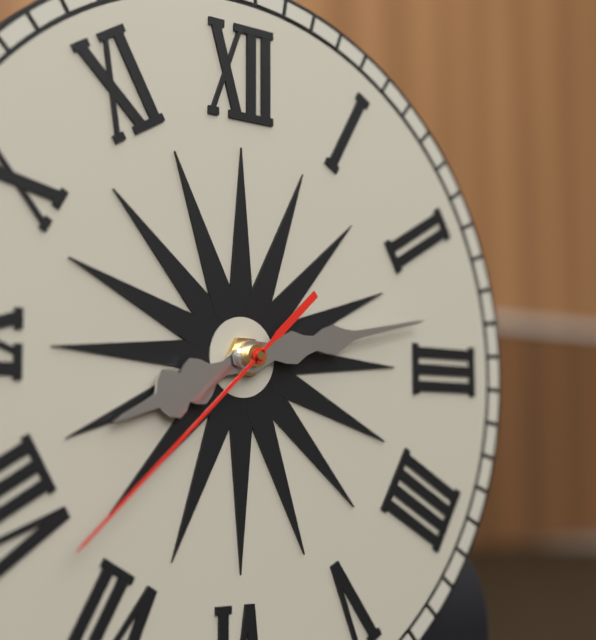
8:13:38
